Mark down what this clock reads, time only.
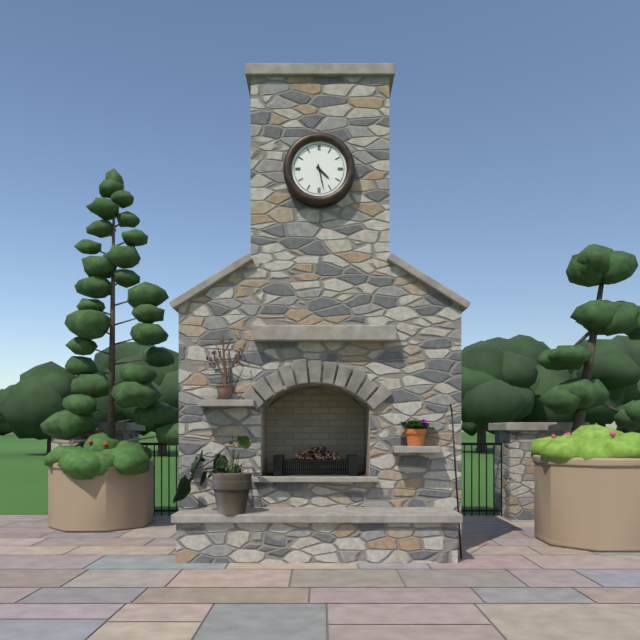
4:28
